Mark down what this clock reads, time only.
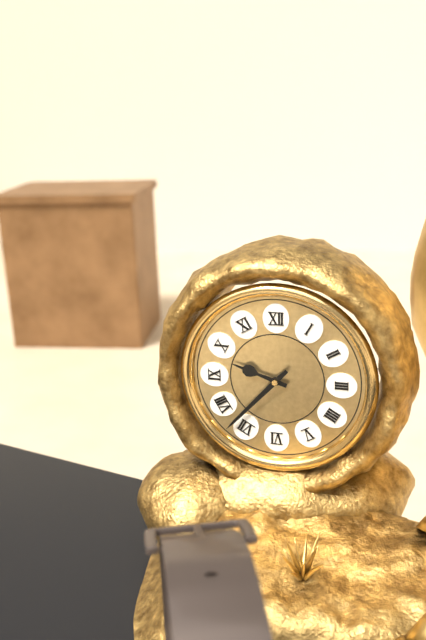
9:37
